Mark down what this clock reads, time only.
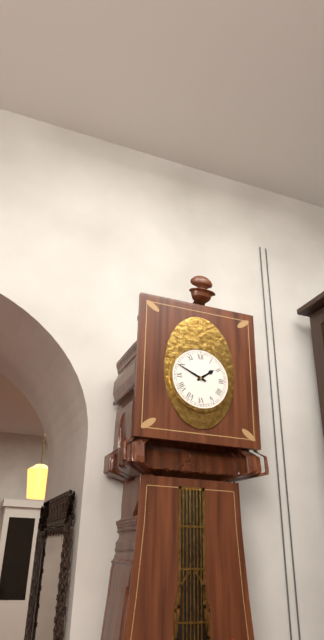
1:49
